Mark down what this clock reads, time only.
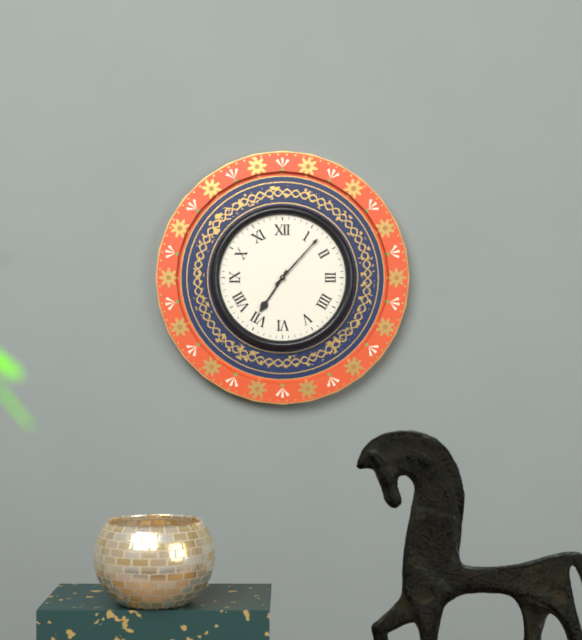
7:07
